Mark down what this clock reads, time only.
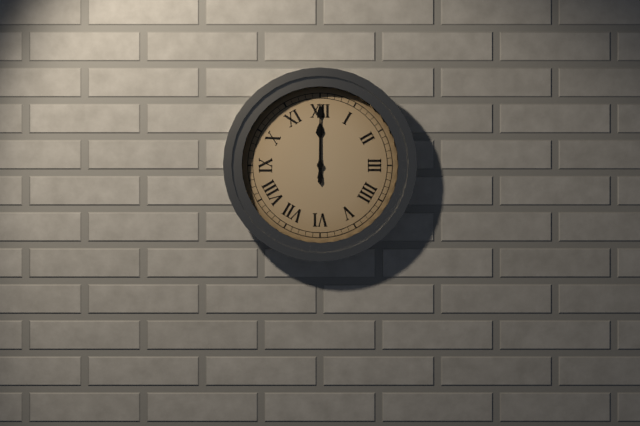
12:00
